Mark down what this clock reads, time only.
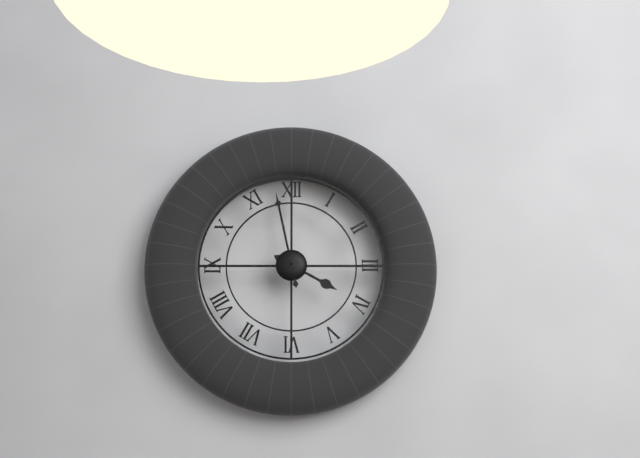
3:58
